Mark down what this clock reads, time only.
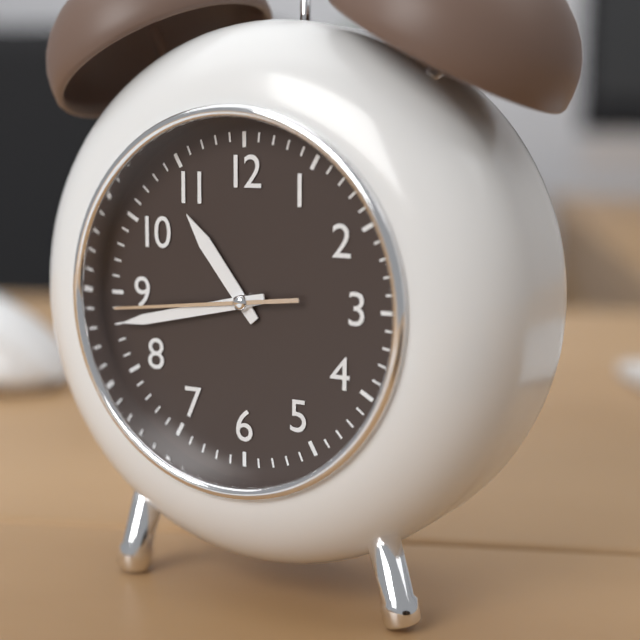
10:43:44
